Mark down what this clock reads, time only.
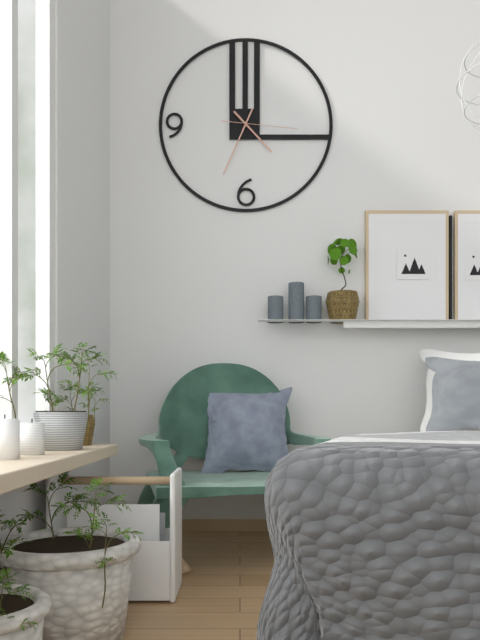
4:34:16
